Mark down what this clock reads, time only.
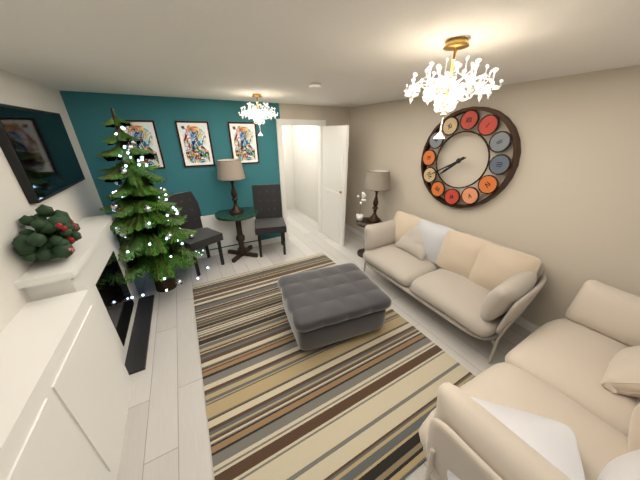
7:40
